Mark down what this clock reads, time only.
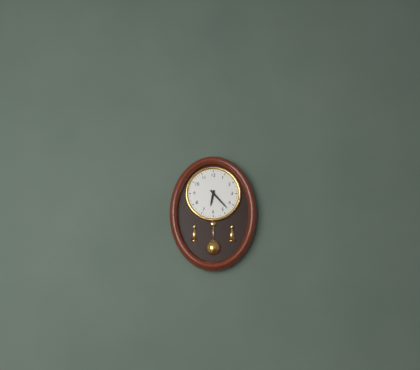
6:23
